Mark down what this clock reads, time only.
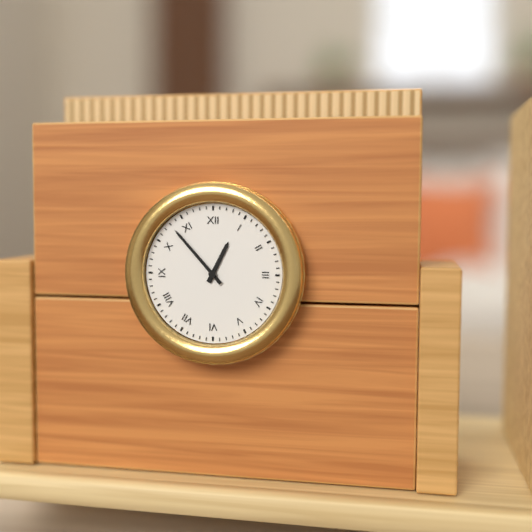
12:53
